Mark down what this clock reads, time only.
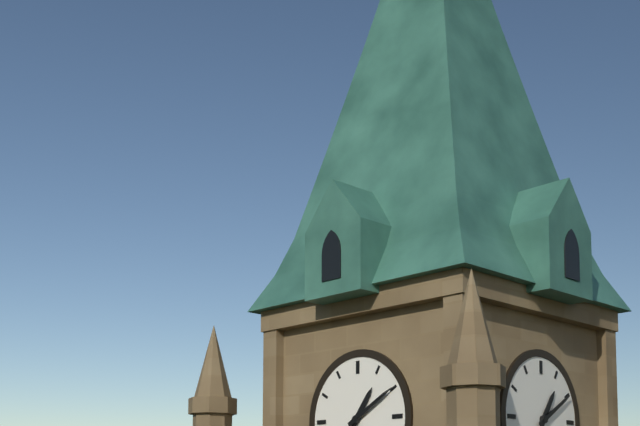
1:10
